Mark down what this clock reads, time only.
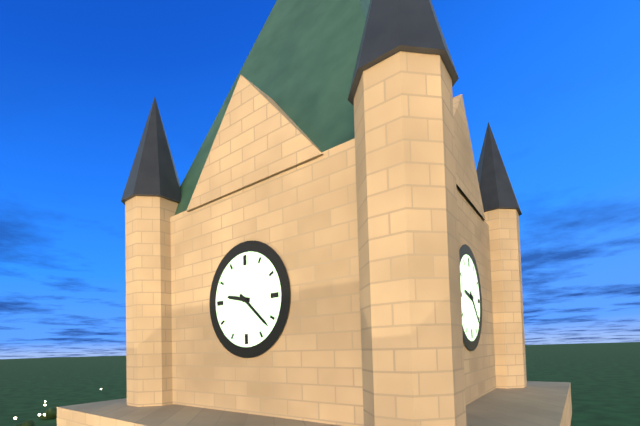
9:22
